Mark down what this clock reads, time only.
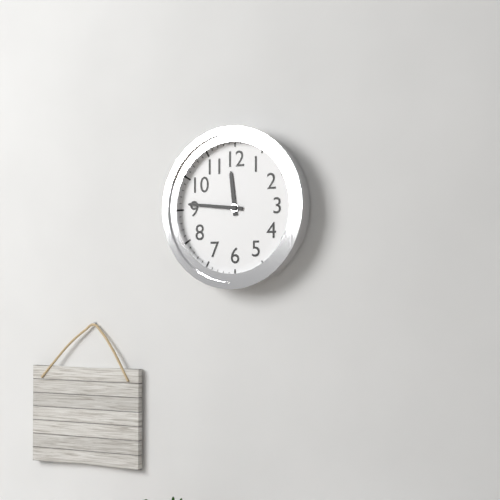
11:46
